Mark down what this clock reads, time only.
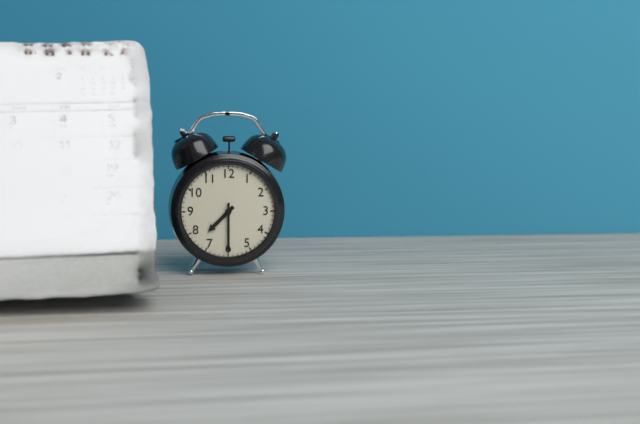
7:30
